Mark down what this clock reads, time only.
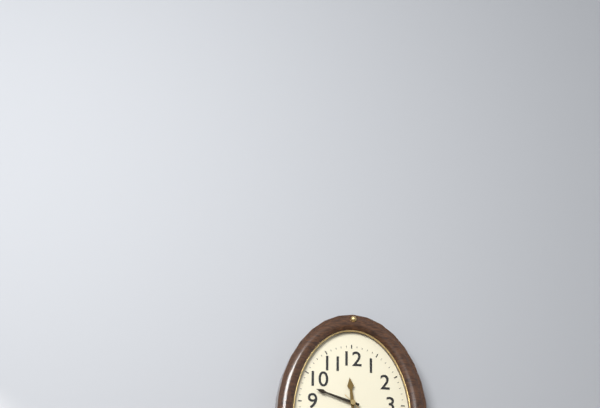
11:48
